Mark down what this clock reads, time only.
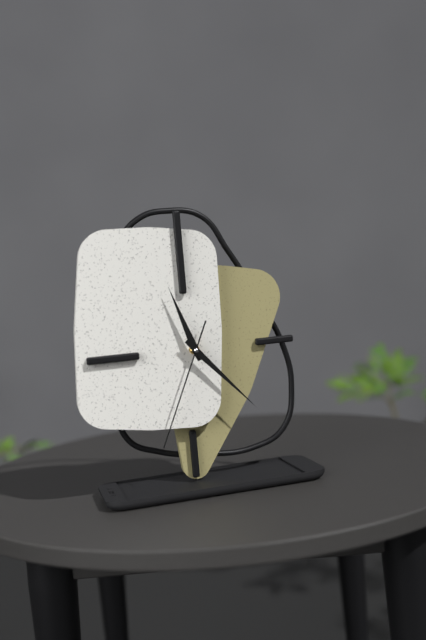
11:23:34
